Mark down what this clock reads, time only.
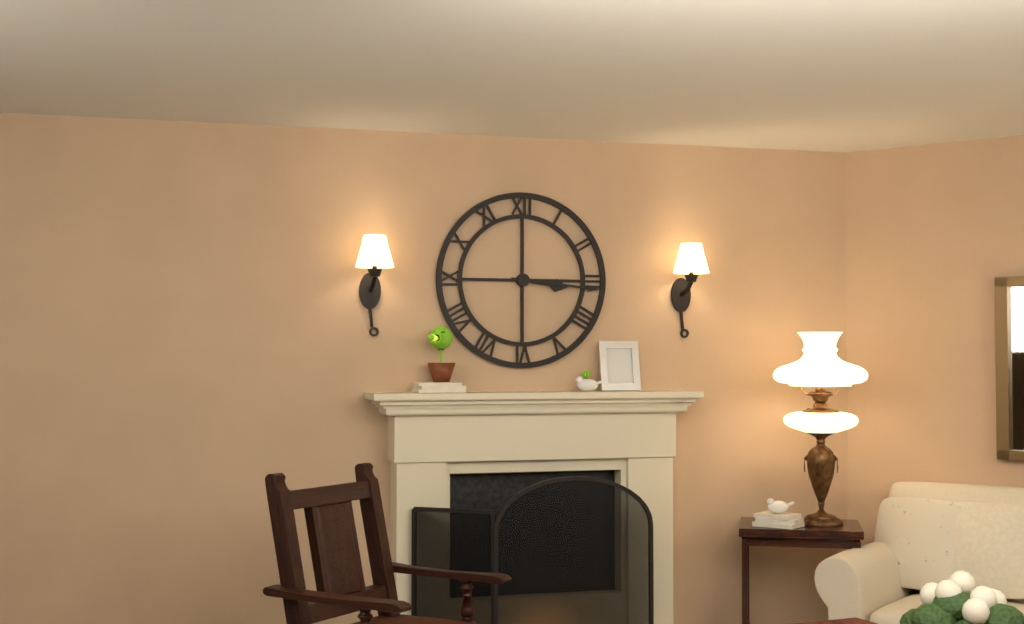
3:16
